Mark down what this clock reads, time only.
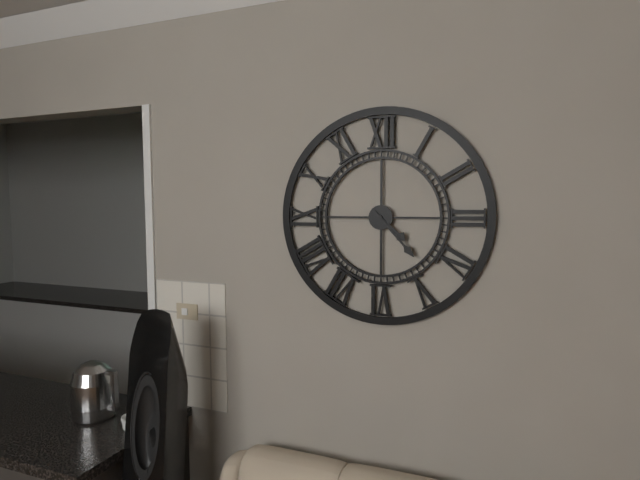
4:23
